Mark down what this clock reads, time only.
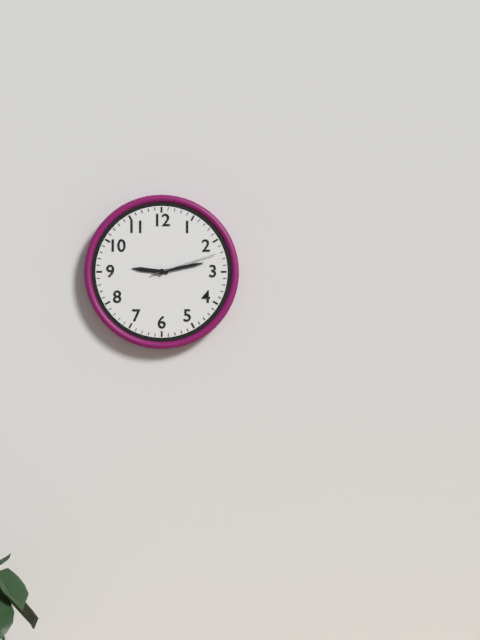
9:13:12
